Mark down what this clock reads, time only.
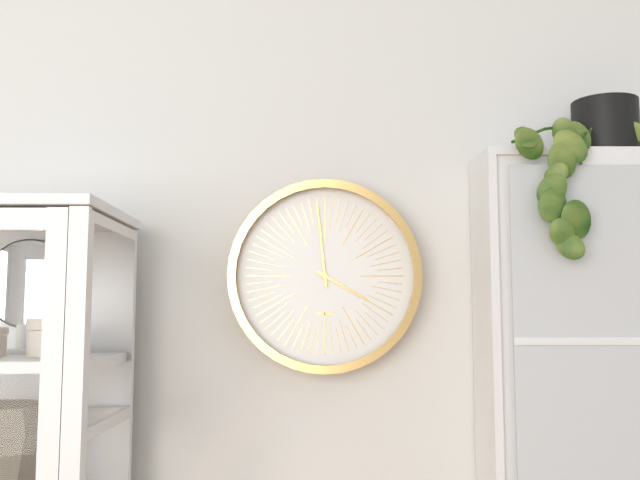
3:59
